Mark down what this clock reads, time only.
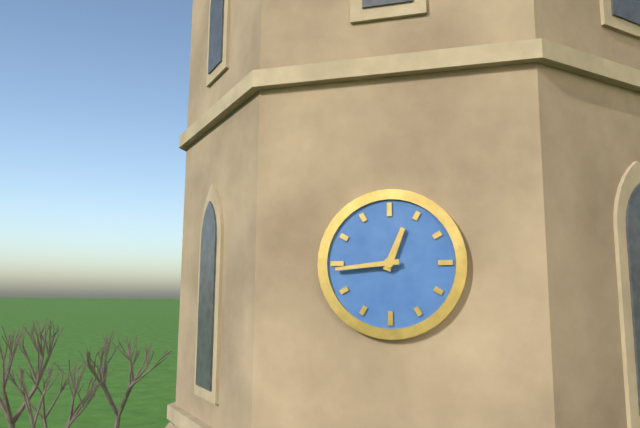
12:44
